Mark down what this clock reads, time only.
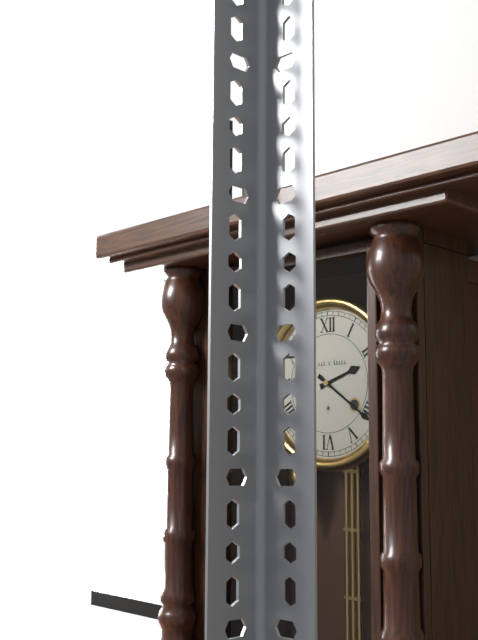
2:21
